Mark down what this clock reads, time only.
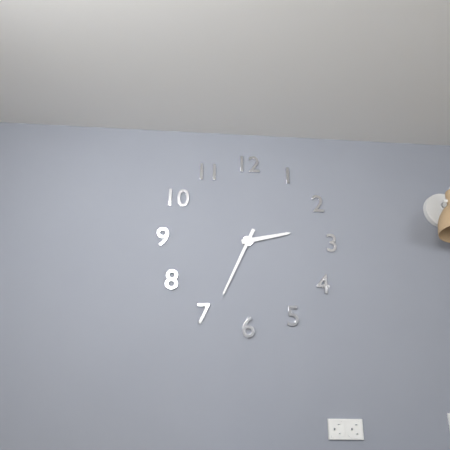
2:34
